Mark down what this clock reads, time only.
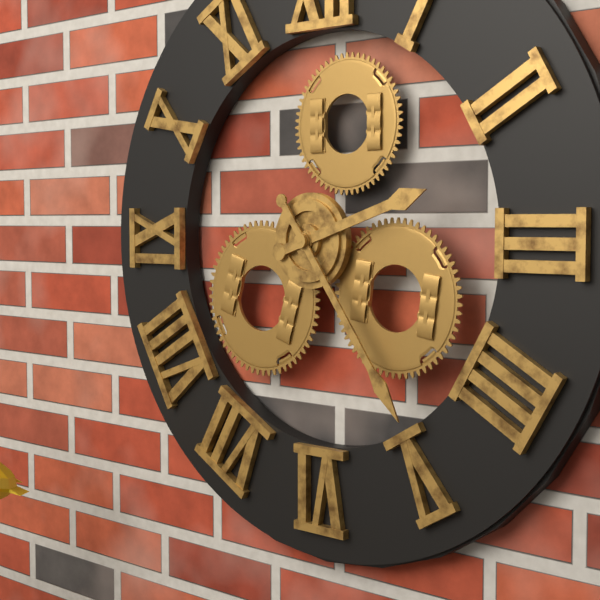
2:24
